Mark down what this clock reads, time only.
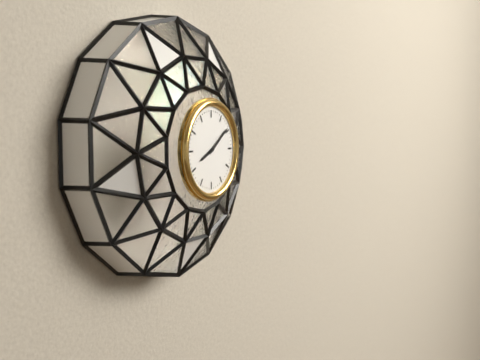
8:09
